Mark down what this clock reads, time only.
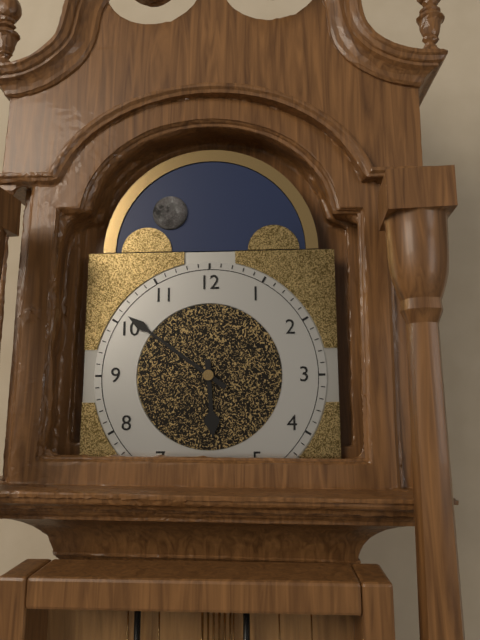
5:51
